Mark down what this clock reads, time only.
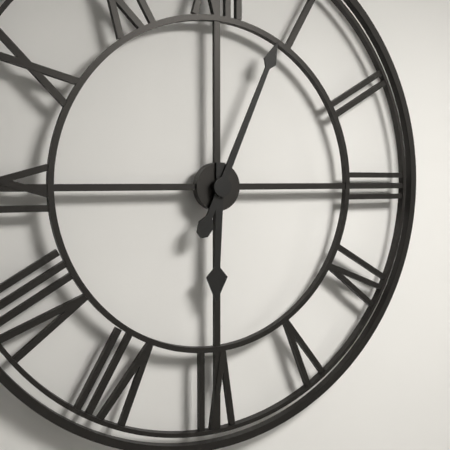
6:04
